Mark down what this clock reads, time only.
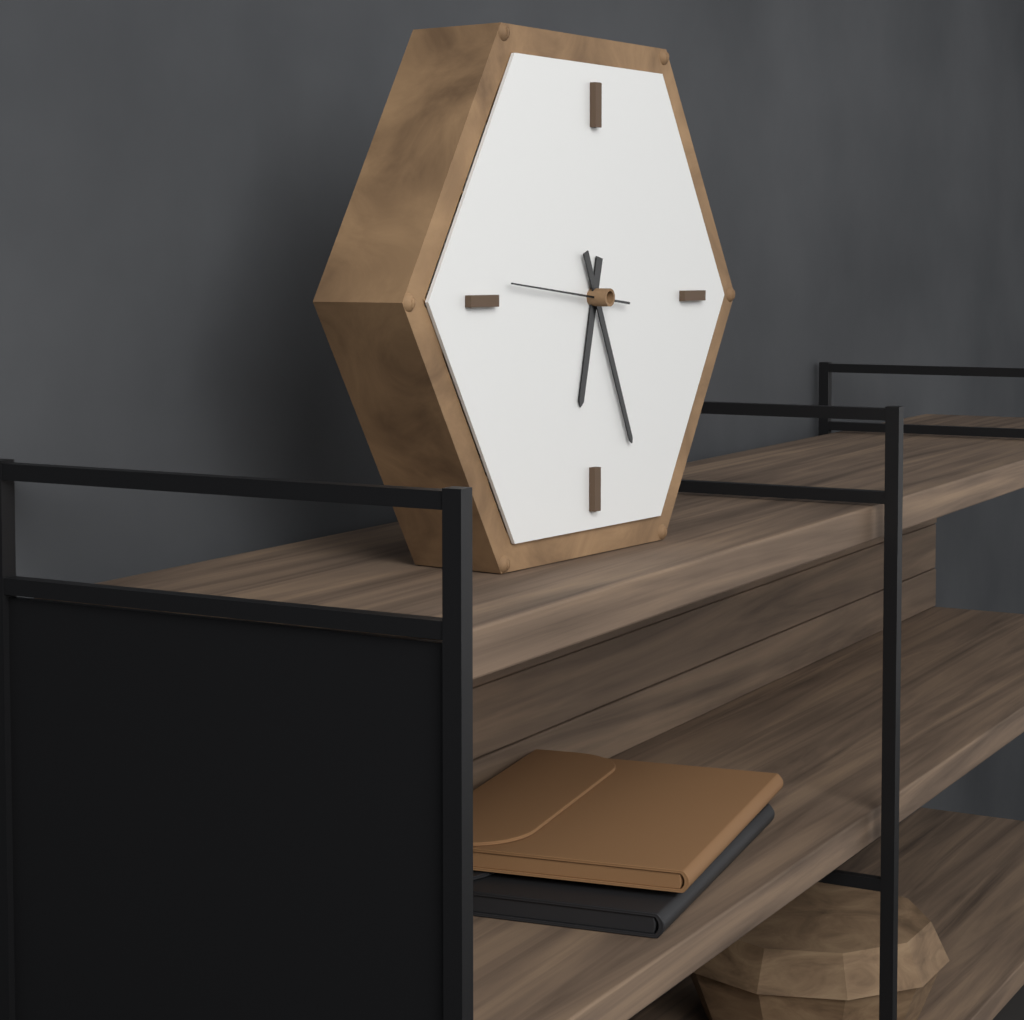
6:26:46
